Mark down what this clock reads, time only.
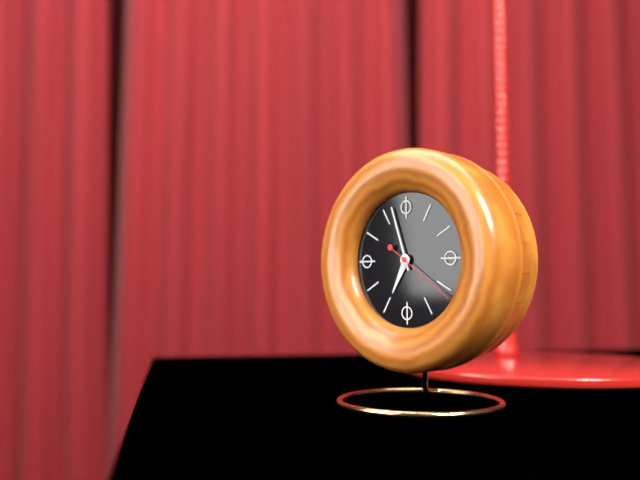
6:57:21
